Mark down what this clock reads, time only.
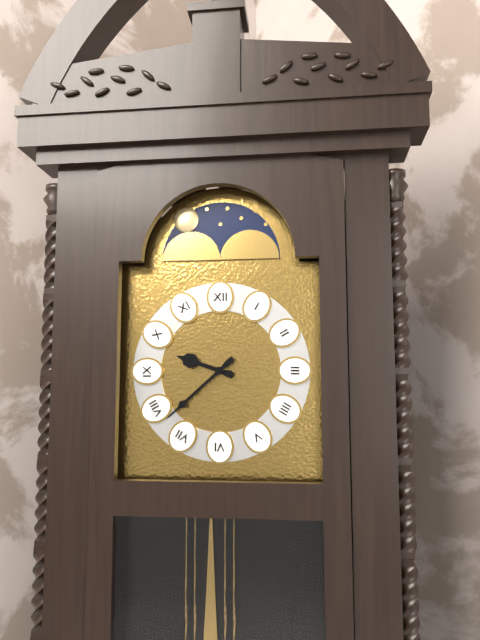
9:38
